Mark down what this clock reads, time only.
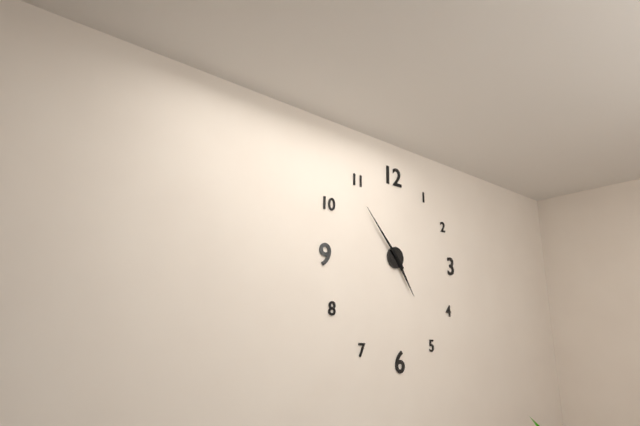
4:53
